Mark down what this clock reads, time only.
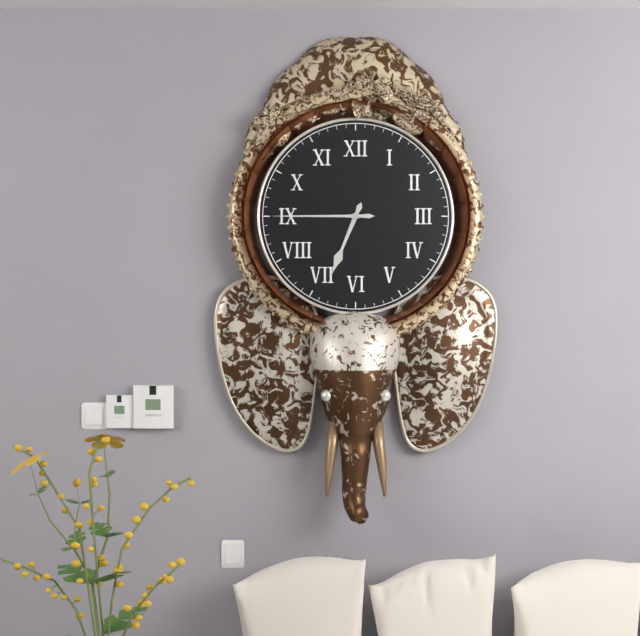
6:45
